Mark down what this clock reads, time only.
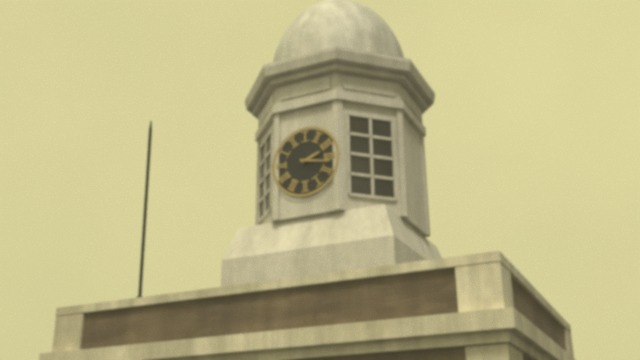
2:17
